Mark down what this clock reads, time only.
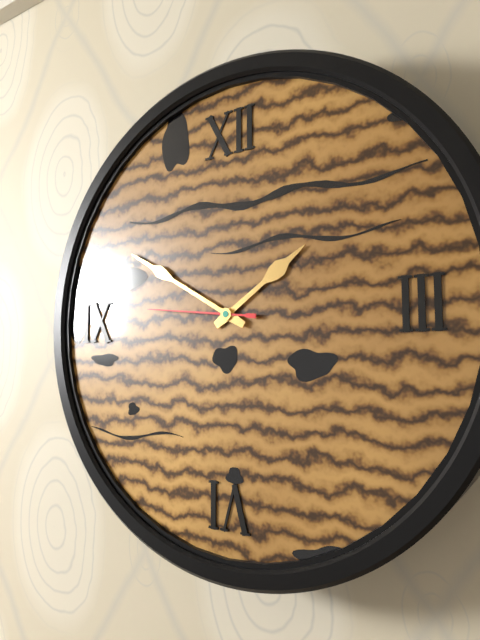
1:50:46
